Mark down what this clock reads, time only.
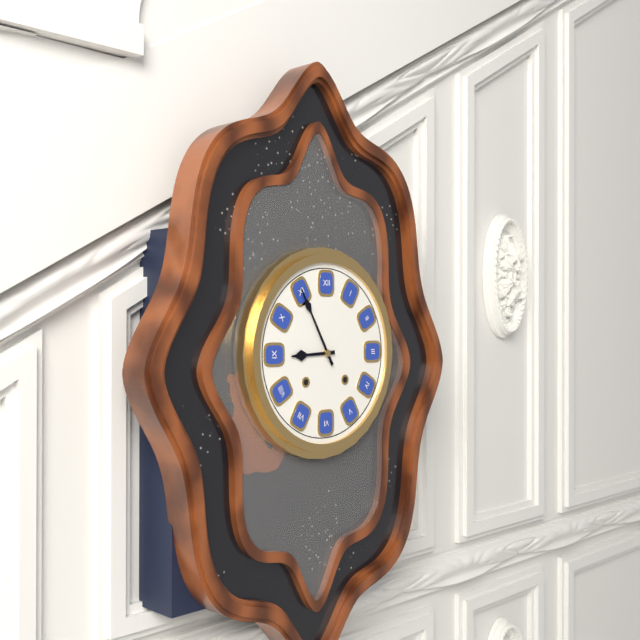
8:55
